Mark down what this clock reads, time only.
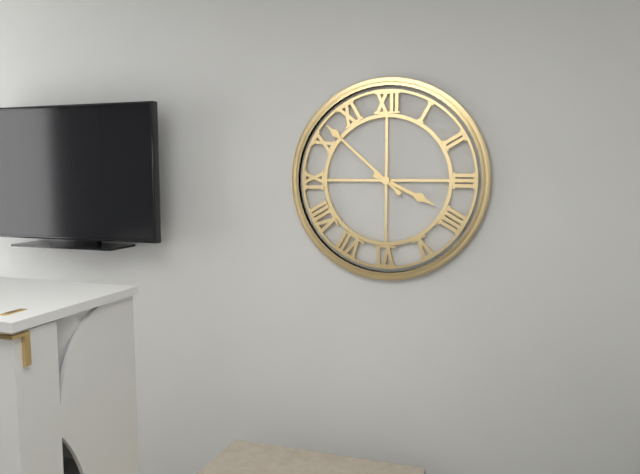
3:52
